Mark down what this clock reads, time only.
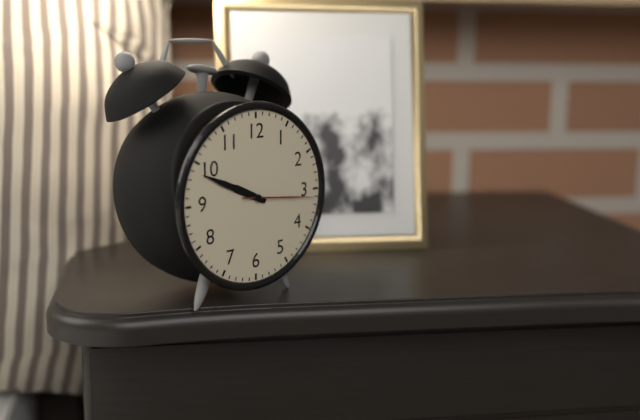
9:49:16
